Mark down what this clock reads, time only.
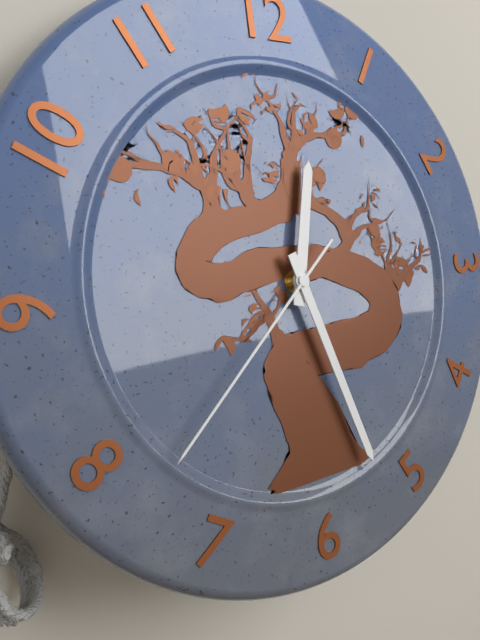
12:27:38
